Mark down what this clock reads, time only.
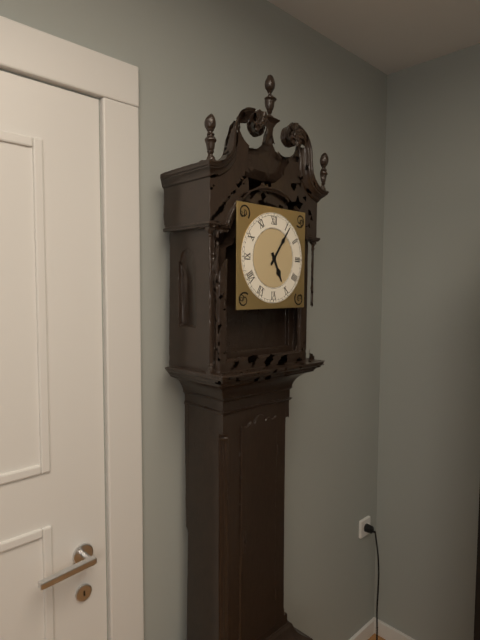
5:06
